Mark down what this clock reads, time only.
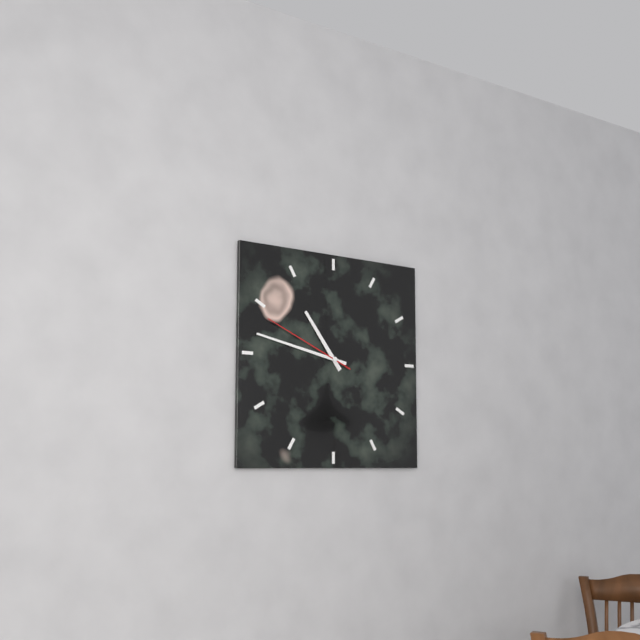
10:47:49
